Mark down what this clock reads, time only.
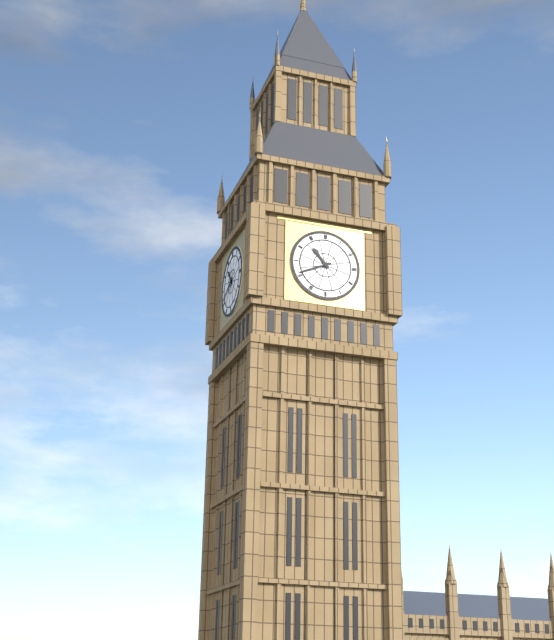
10:41
